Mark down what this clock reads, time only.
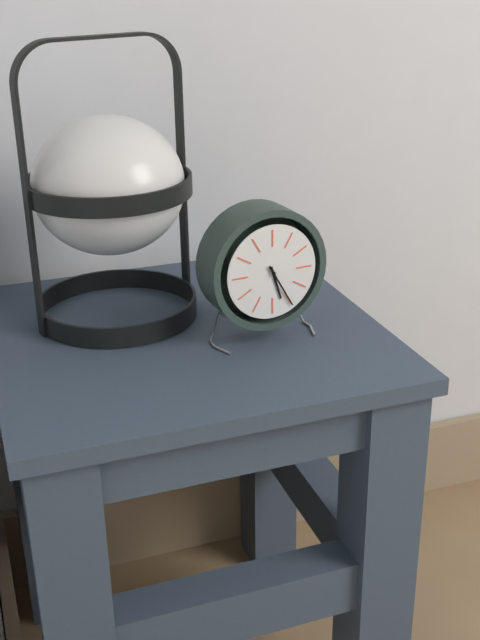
5:25
